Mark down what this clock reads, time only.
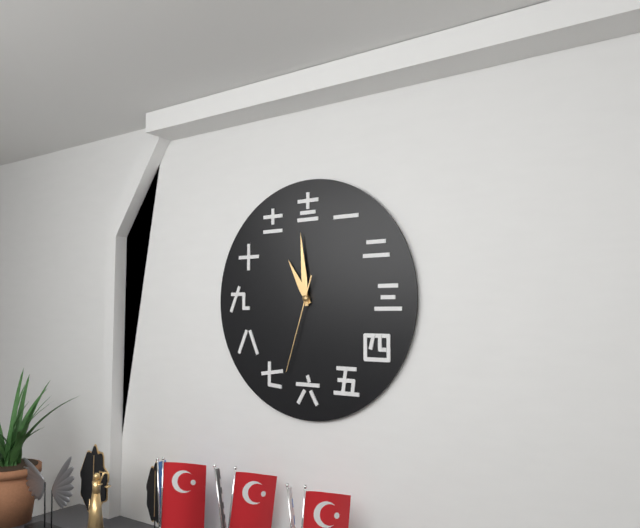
10:59:33
